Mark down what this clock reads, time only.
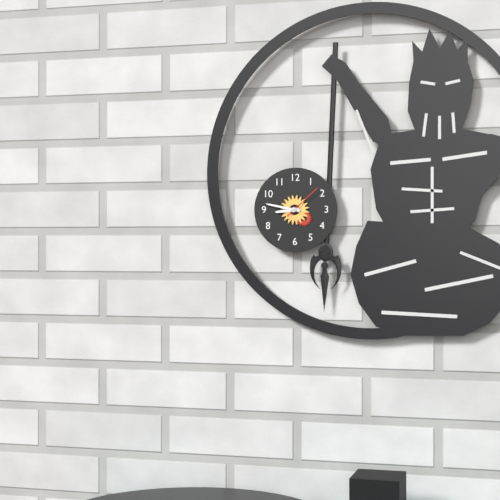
8:47
